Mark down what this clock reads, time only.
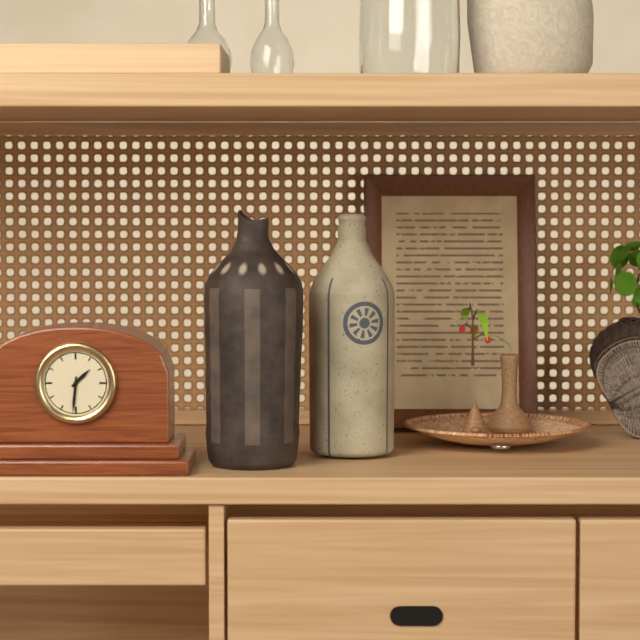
1:31
